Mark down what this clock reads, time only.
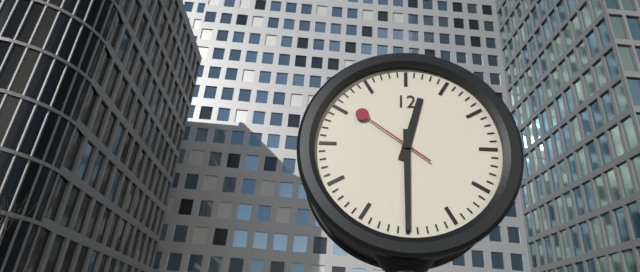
12:30:51
